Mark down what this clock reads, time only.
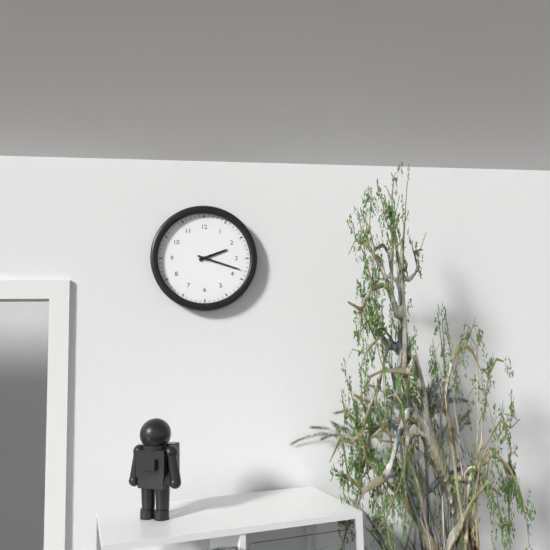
2:18
